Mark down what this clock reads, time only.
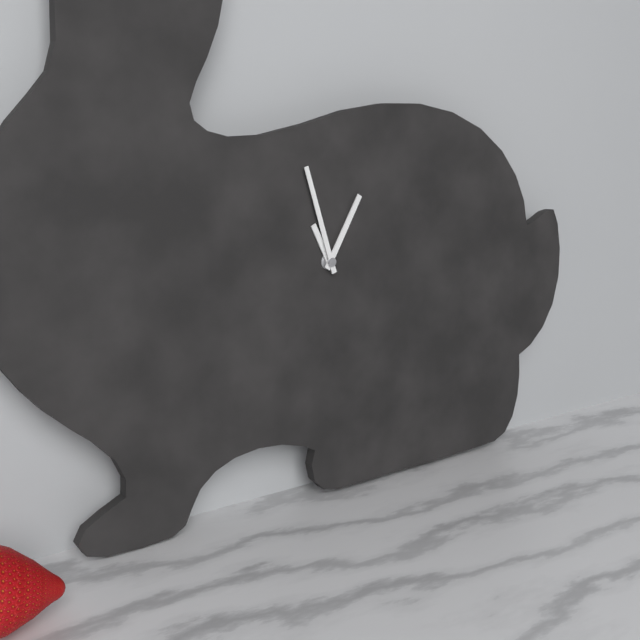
11:05:57
